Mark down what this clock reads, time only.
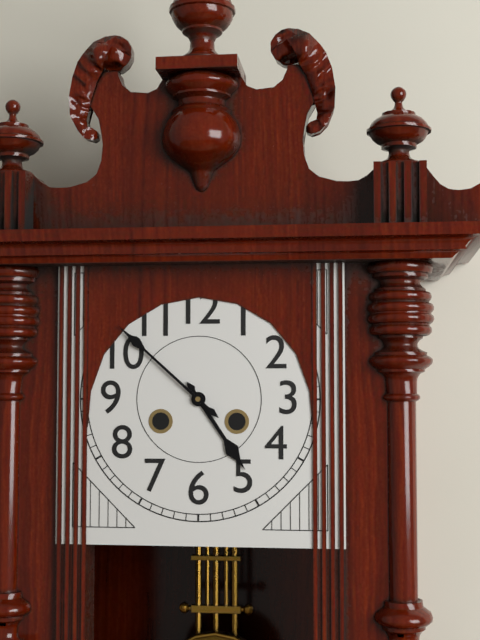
4:52
